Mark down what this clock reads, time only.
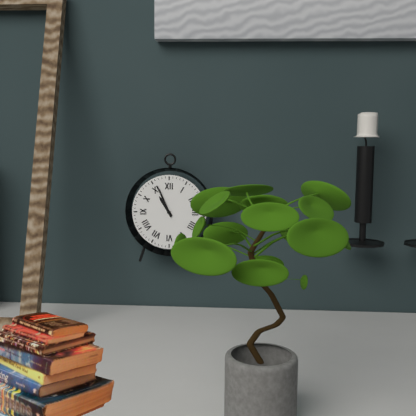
10:56
